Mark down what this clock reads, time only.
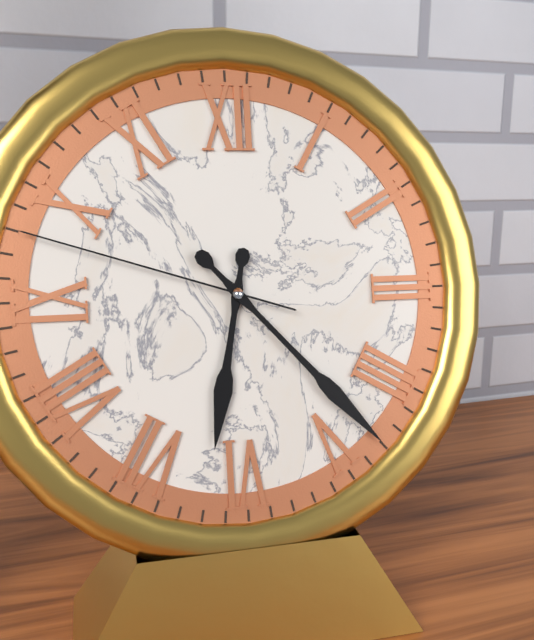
6:23:48
